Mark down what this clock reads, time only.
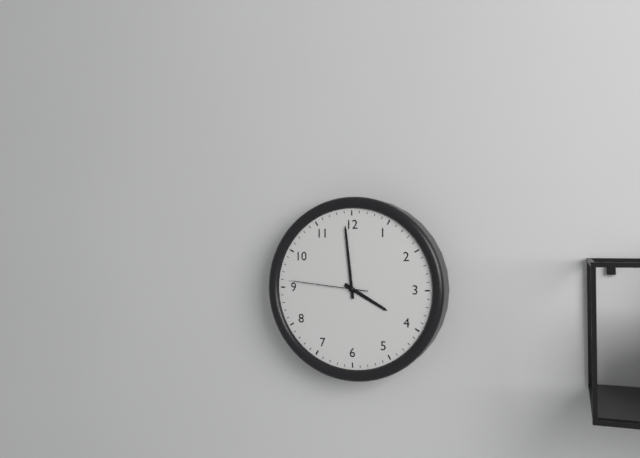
3:59:46
